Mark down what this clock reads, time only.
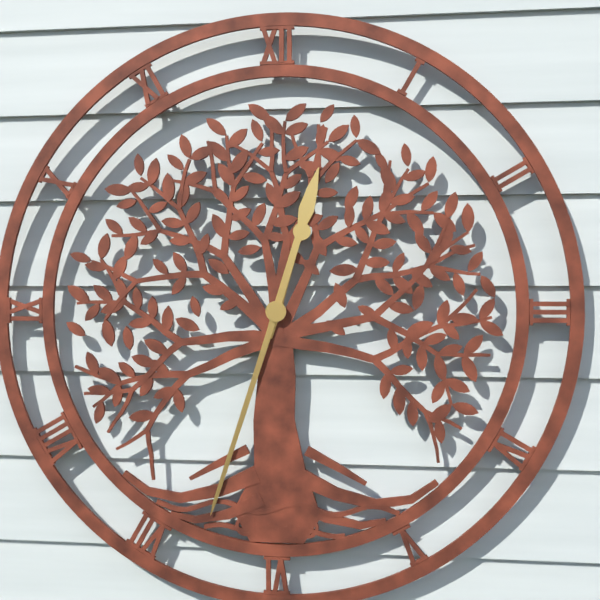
12:33
